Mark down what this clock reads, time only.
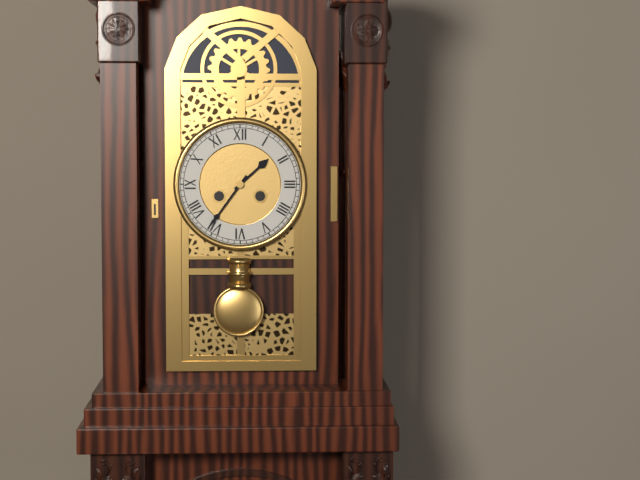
1:36
